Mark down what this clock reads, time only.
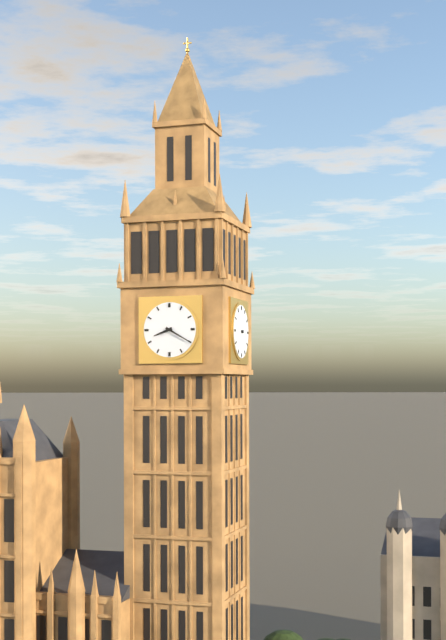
8:20
